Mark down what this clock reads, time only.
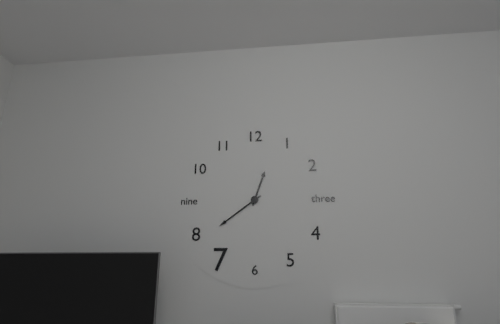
12:39
